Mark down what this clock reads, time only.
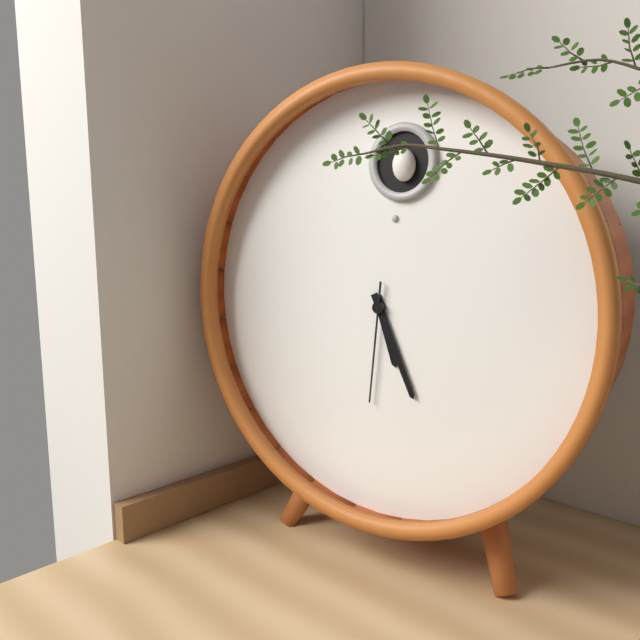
5:26:31
